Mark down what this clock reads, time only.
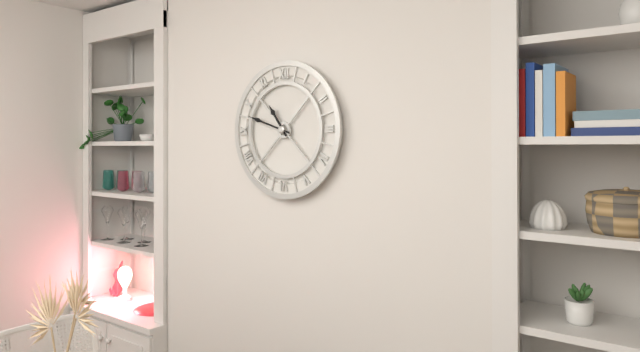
10:48
